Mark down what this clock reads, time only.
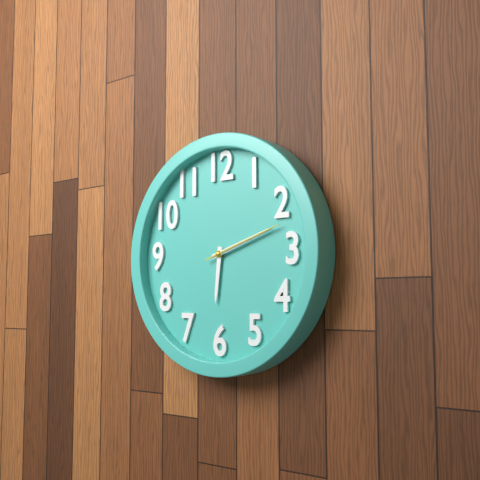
6:12:12
